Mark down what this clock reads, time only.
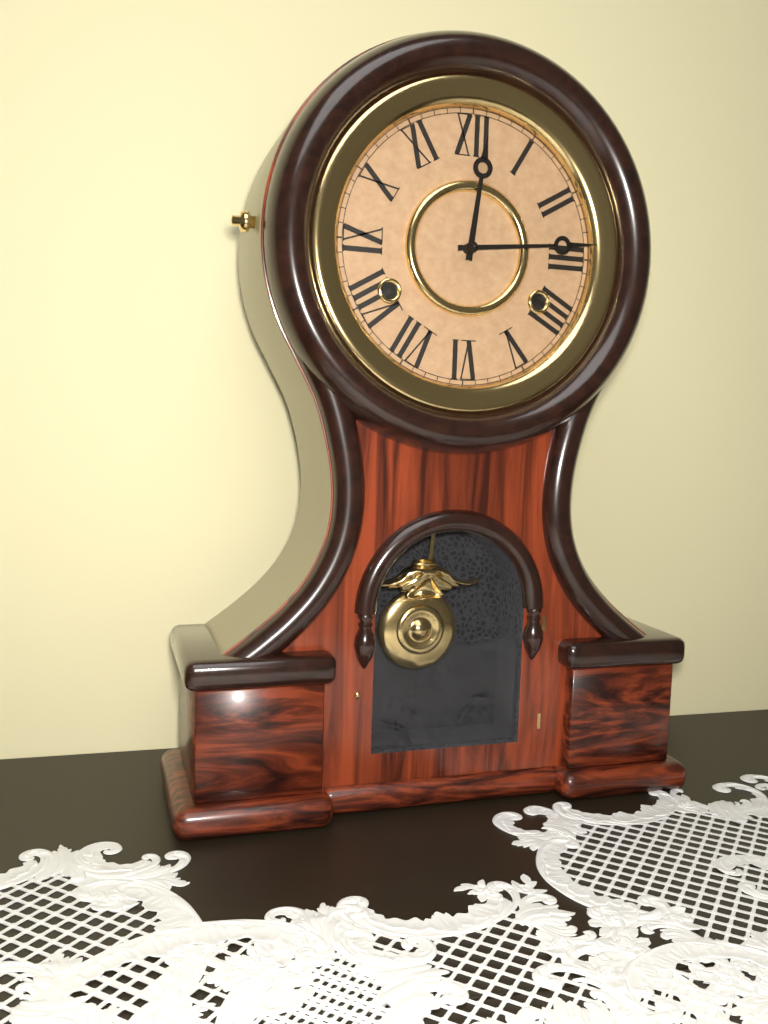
12:14
